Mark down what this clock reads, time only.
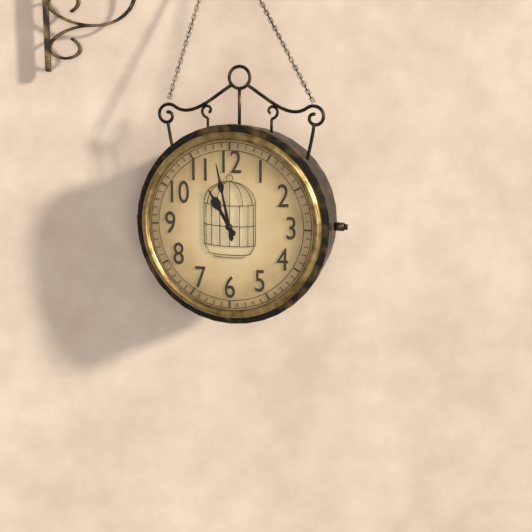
10:58
